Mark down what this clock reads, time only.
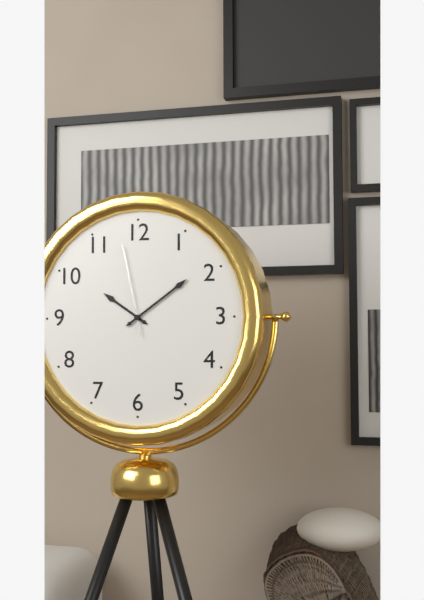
10:09:58
